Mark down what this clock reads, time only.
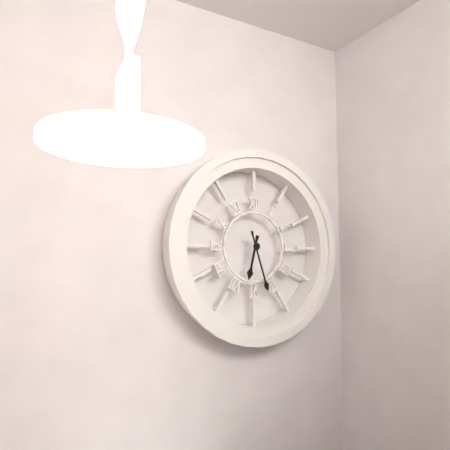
6:27
